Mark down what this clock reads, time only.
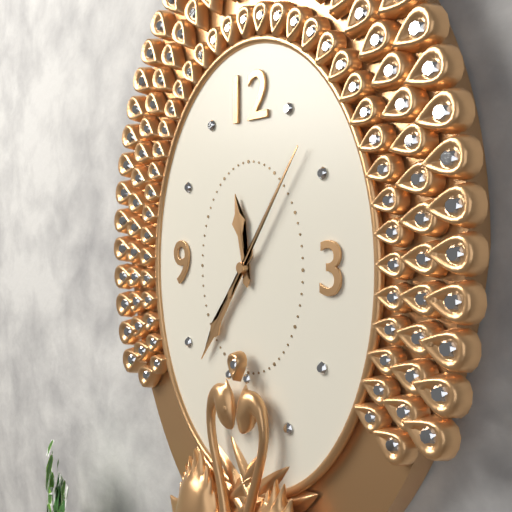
11:36:06
